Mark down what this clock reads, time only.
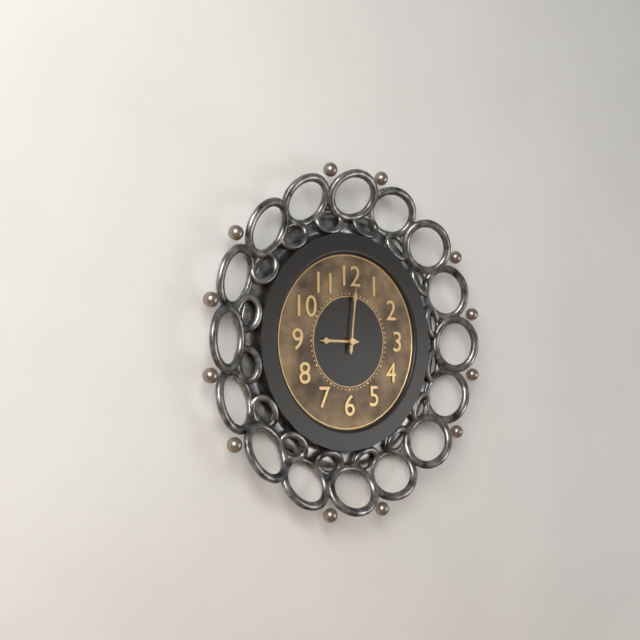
9:01
